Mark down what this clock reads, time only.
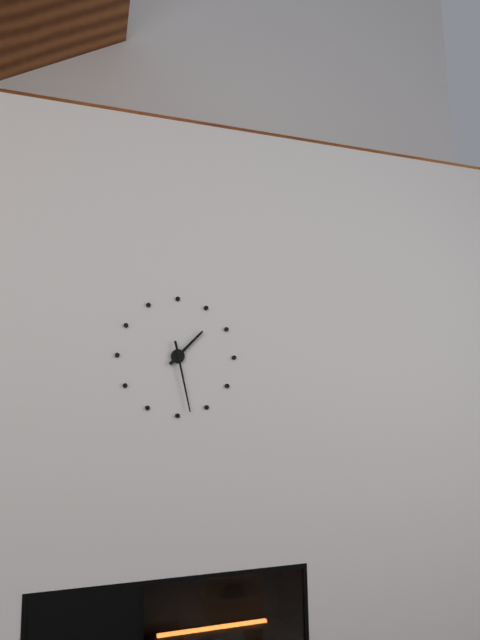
1:28
